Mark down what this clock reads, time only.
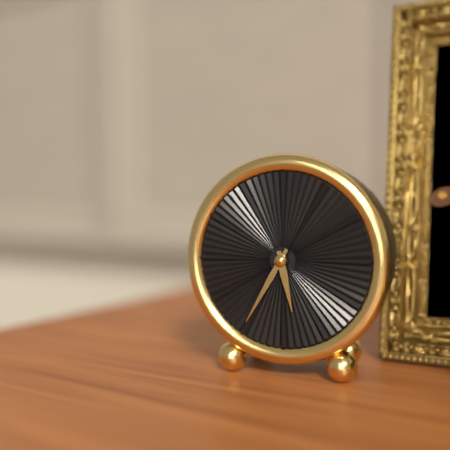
5:35
